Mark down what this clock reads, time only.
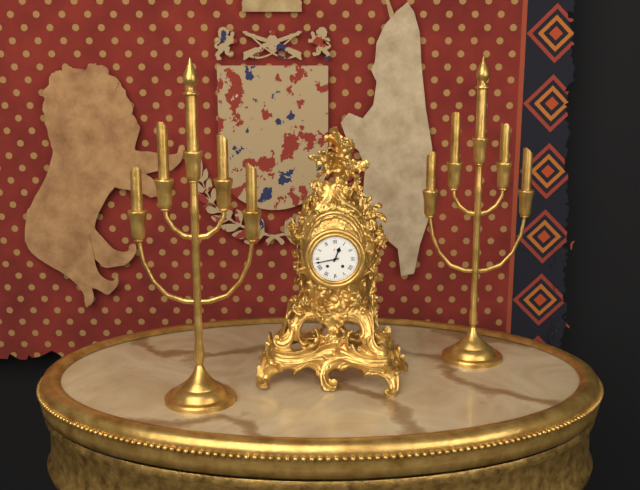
12:43
